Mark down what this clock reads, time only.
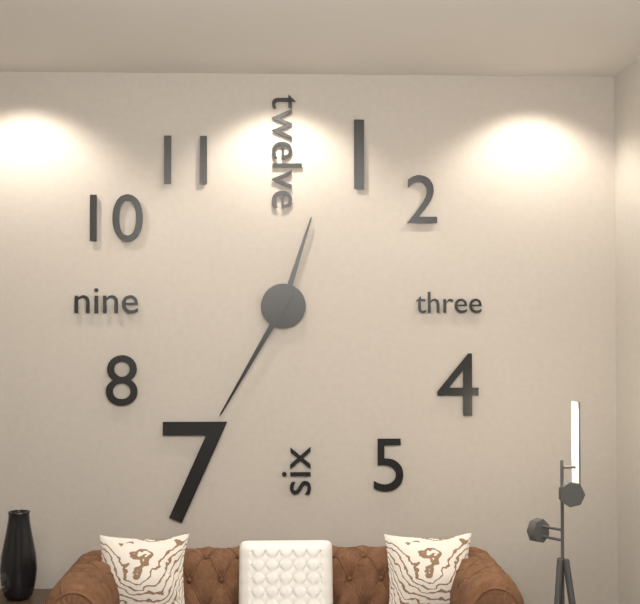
12:35
